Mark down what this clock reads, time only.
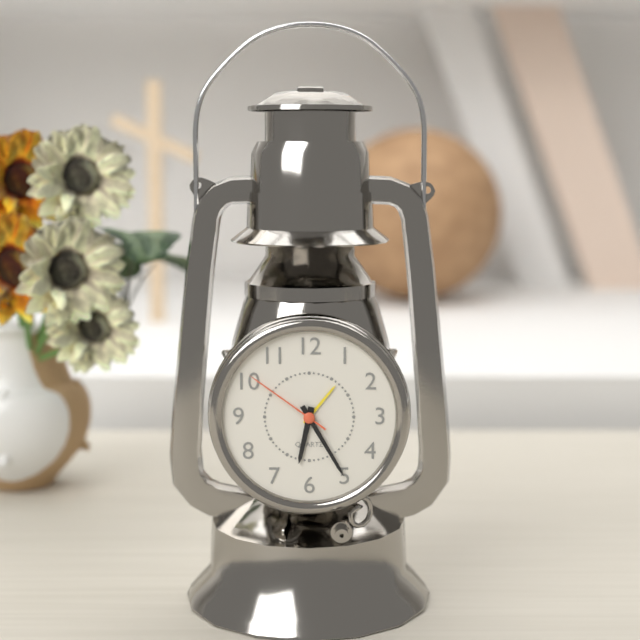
6:25:51
